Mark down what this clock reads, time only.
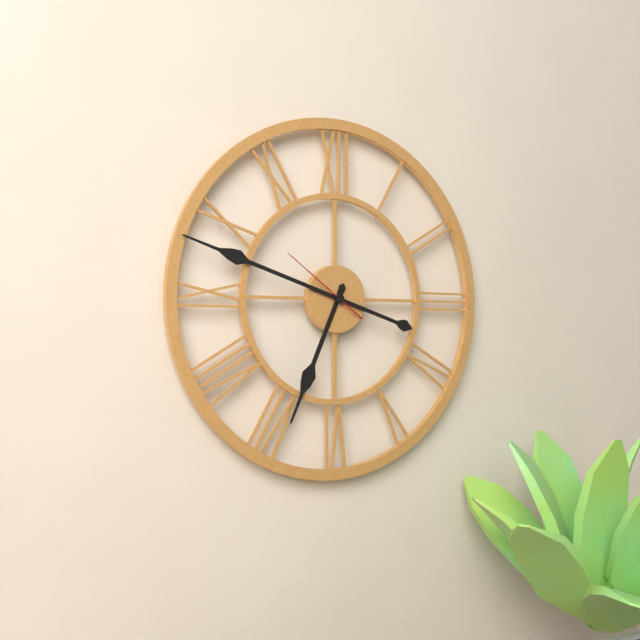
6:48:51
